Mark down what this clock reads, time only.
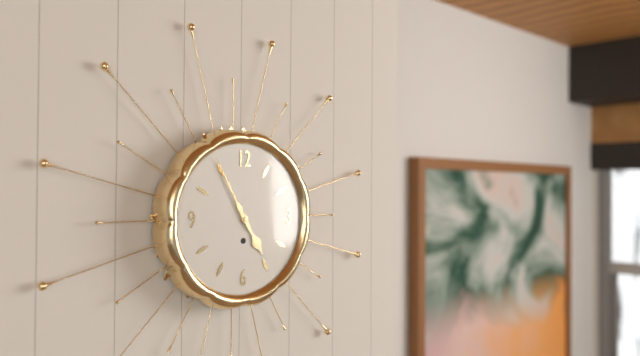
4:55
